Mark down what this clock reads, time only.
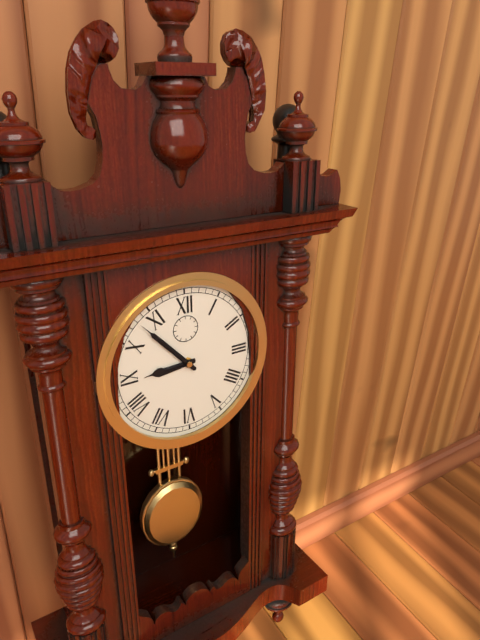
8:53
